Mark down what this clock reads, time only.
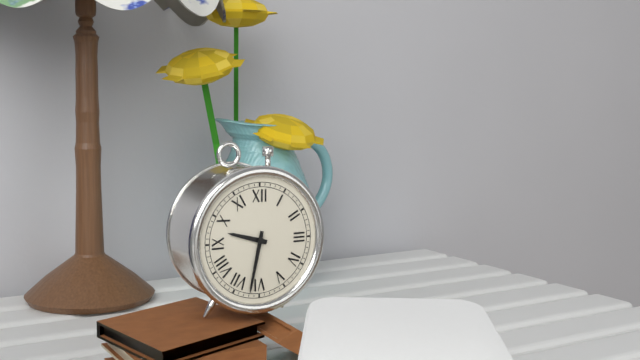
9:32
